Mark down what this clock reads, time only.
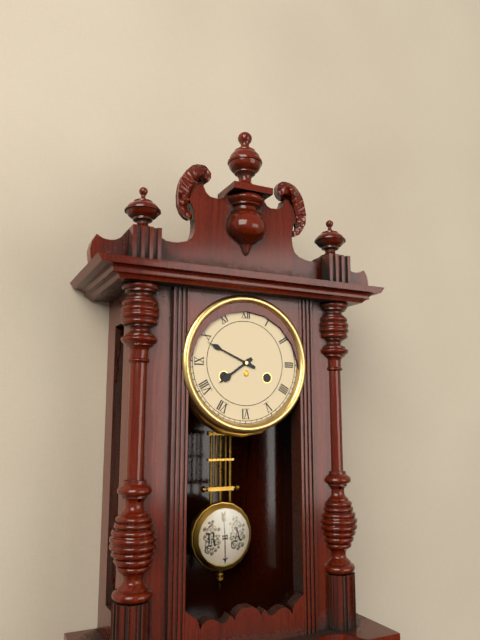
7:49
